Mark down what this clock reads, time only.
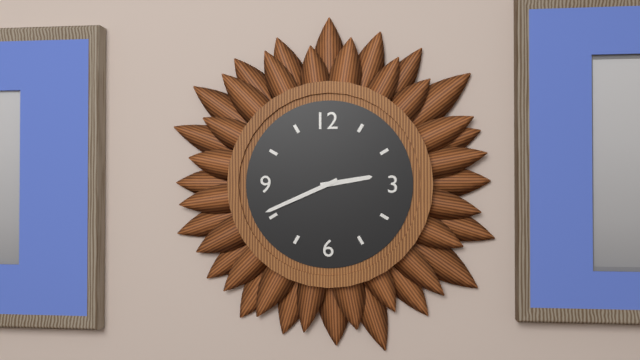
2:41
